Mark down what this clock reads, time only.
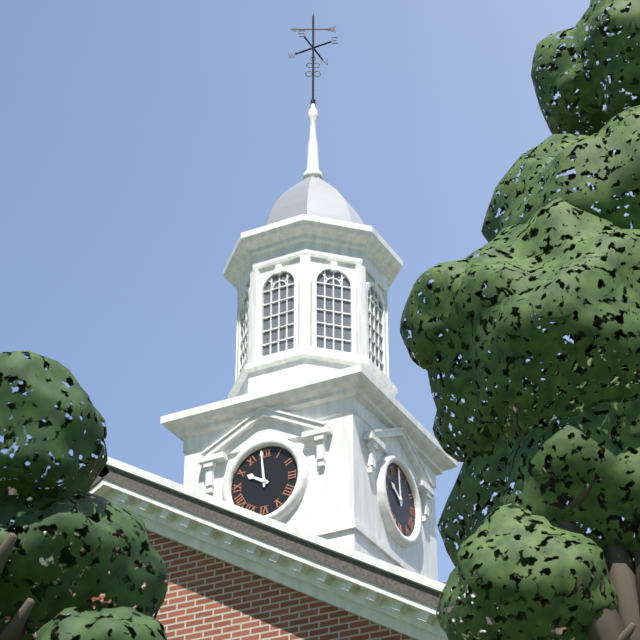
9:59
